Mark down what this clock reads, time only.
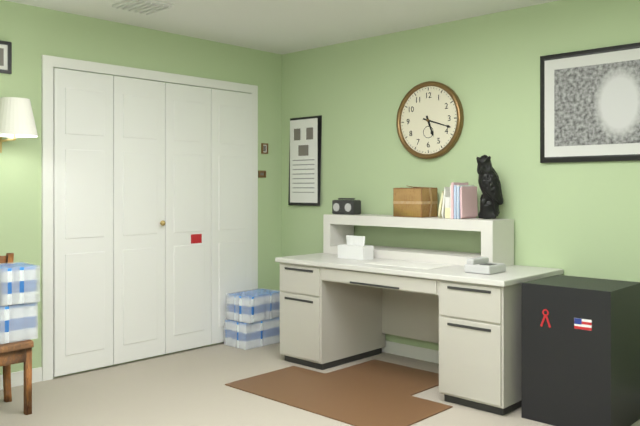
5:18
